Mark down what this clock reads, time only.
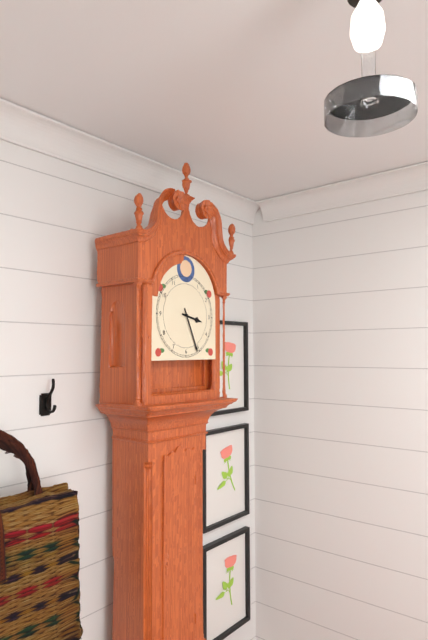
3:26
